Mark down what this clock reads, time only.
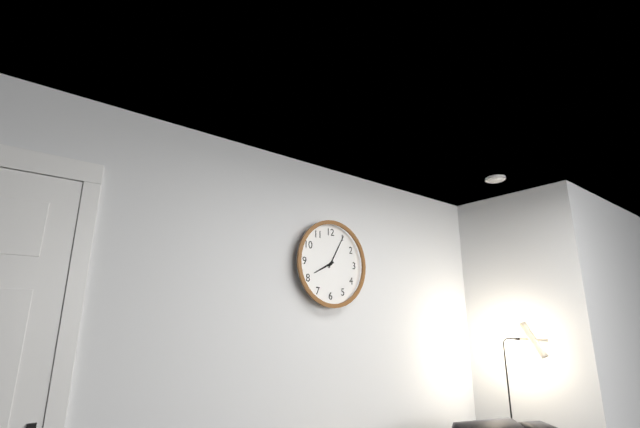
8:05
